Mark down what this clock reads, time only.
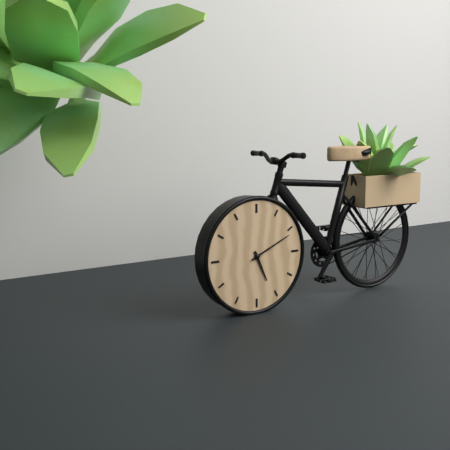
5:11
